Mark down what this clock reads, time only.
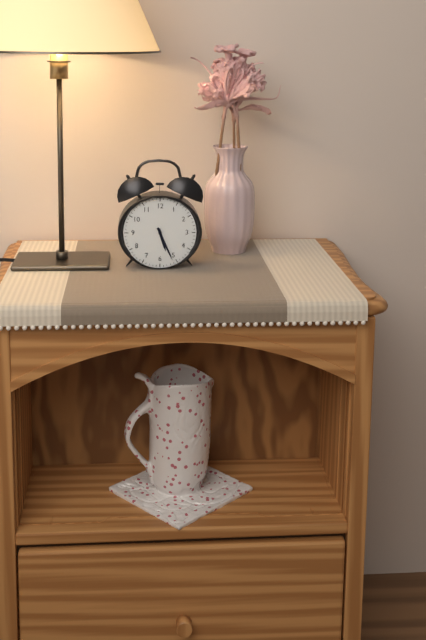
5:26
